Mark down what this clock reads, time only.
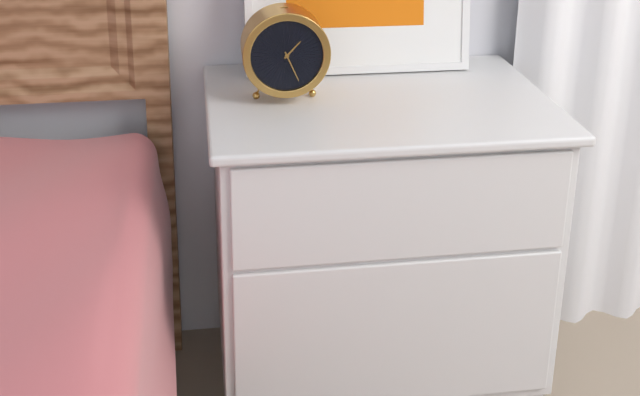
1:26
